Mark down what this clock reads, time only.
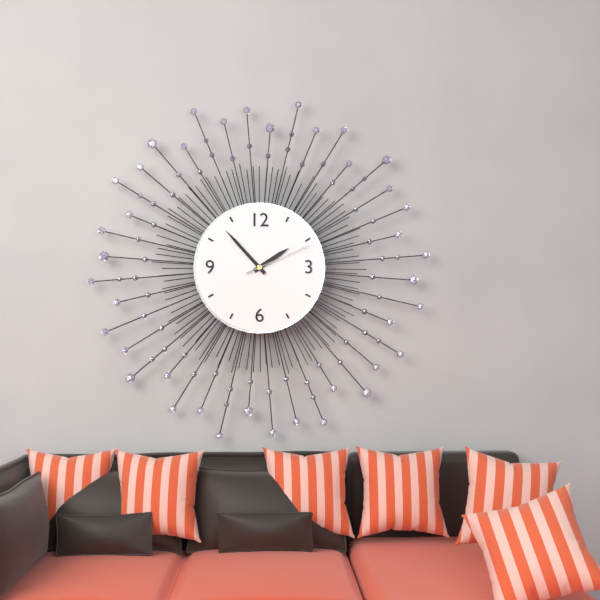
1:53:11
